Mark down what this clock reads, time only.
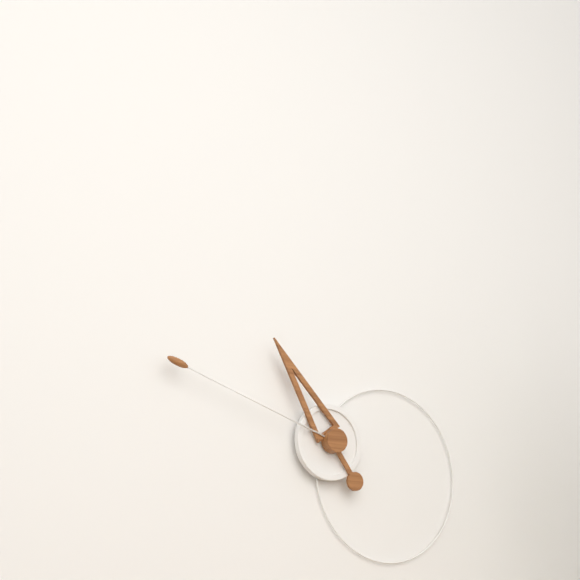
10:48
